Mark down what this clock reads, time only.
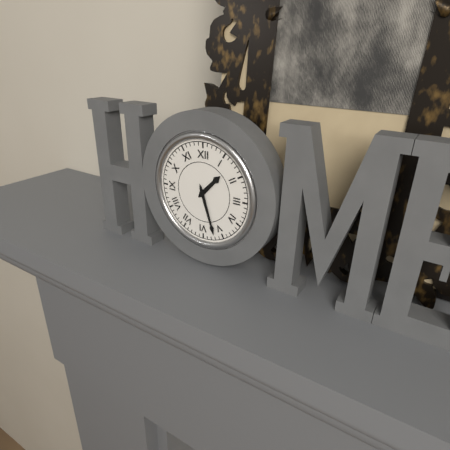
1:27
